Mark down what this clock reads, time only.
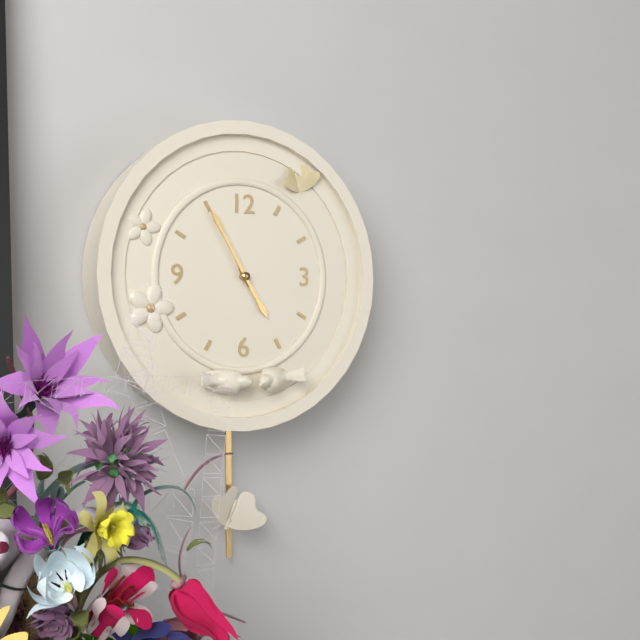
4:55
